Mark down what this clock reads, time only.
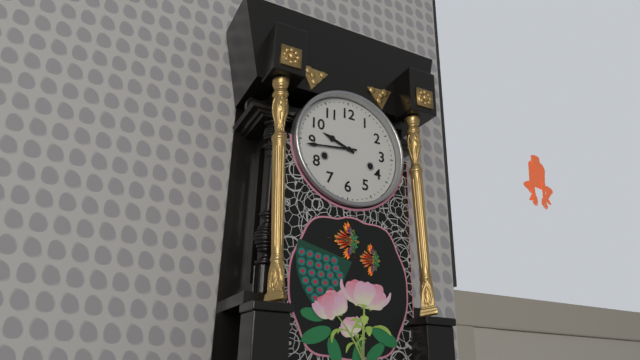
9:44
